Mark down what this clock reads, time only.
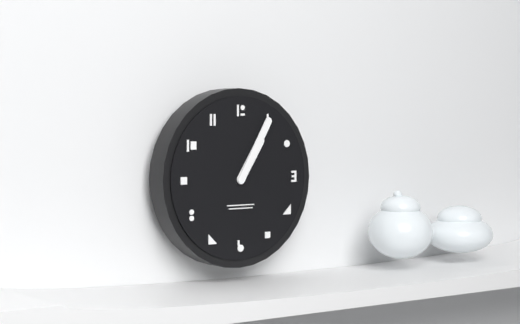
1:05
